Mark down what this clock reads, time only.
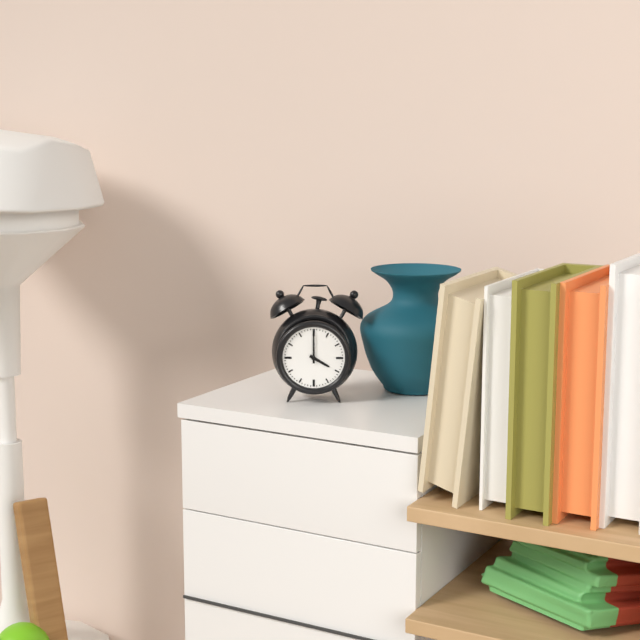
4:00
